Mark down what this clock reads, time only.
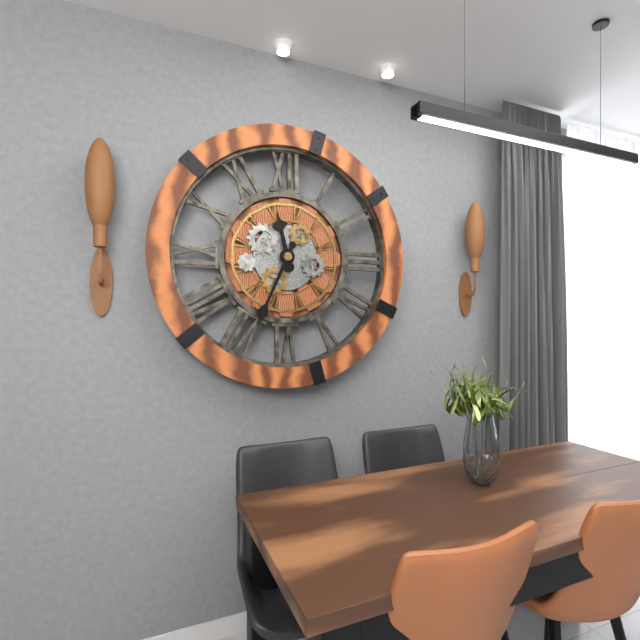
11:34
